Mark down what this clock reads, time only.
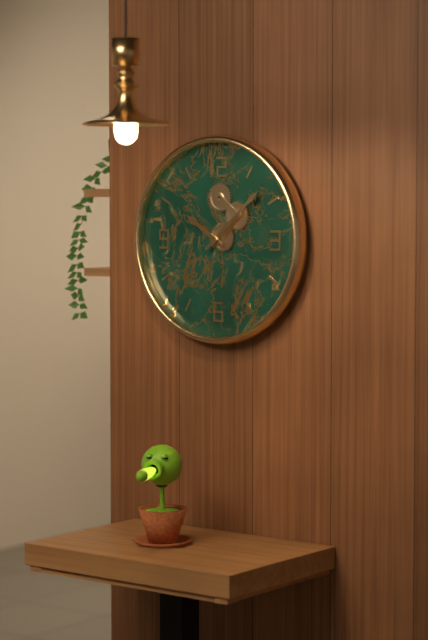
10:08
